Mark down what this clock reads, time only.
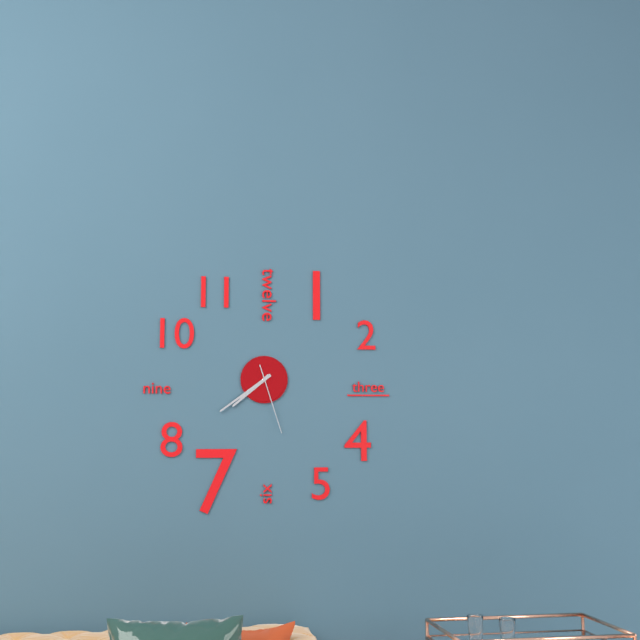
7:39:27
